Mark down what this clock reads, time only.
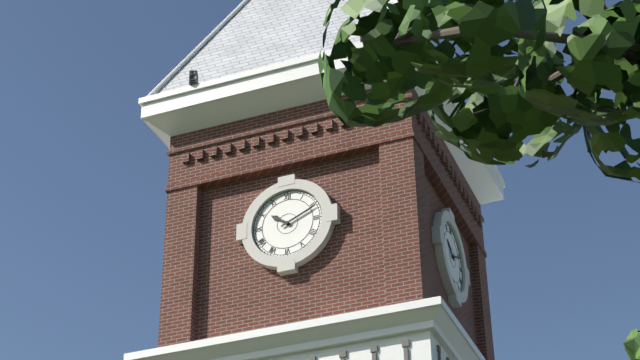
10:11
